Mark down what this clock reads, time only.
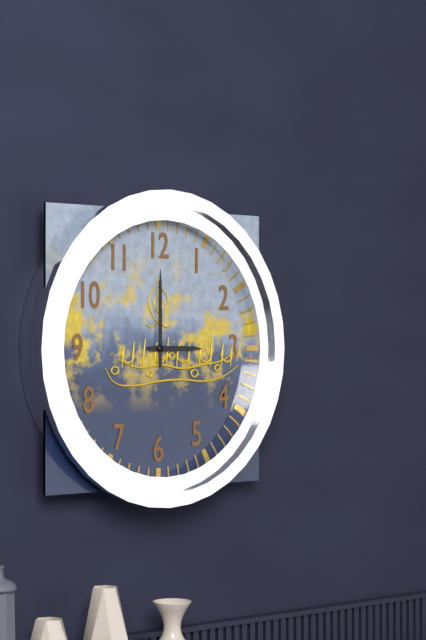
3:00
